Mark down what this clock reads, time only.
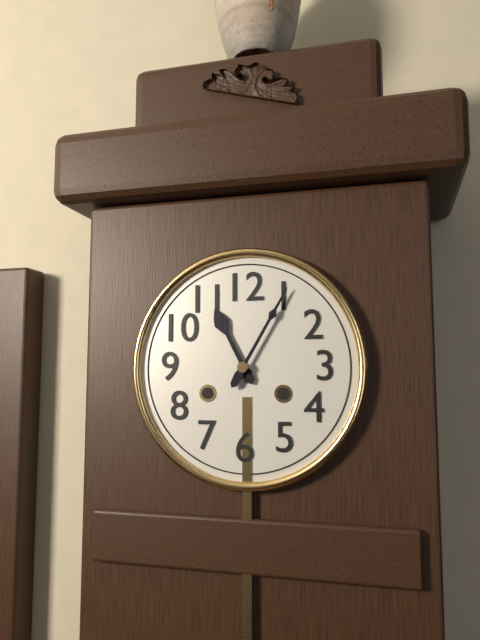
11:05
